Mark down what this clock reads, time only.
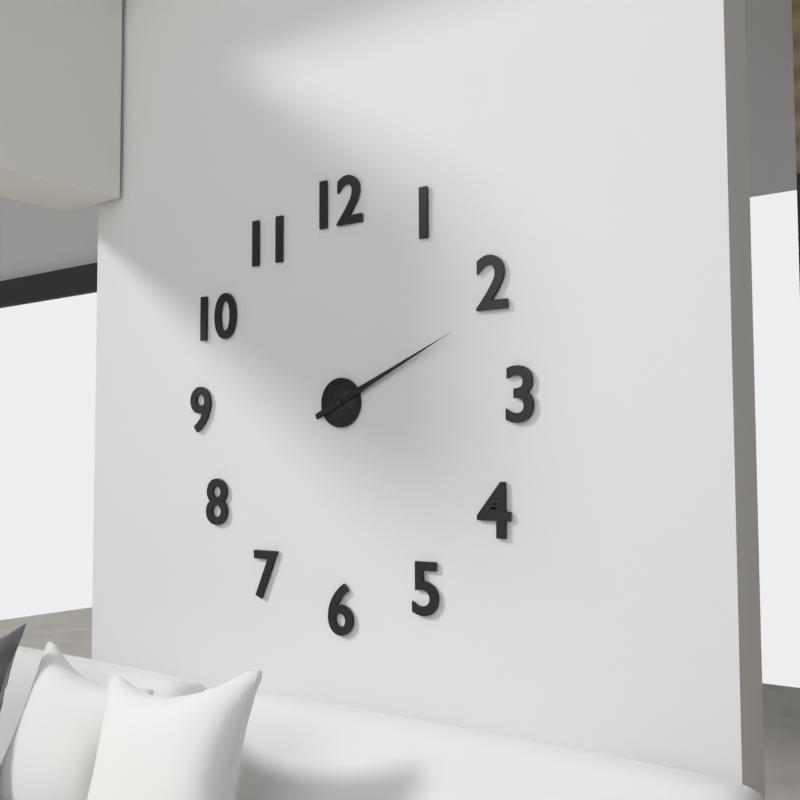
2:11
